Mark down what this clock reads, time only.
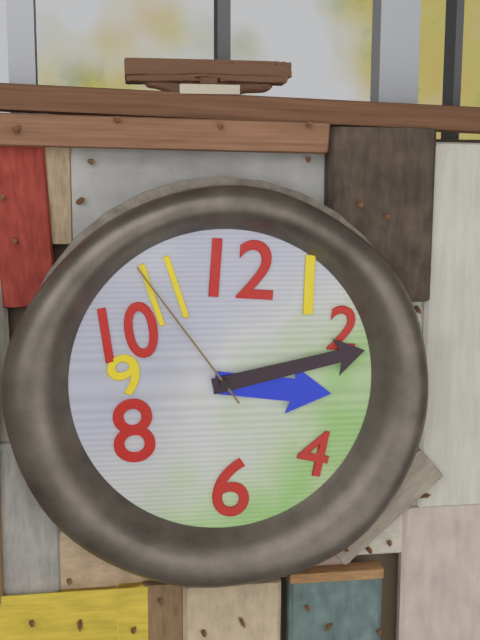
3:13:54
